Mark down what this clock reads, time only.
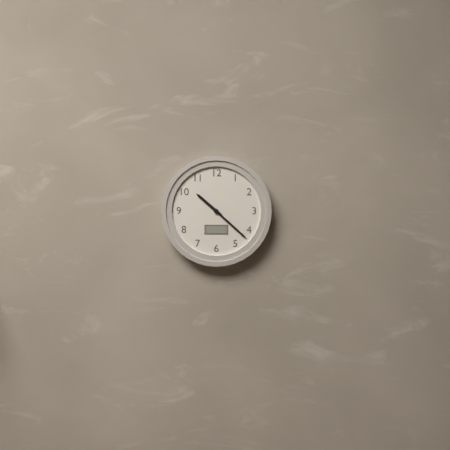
10:22
